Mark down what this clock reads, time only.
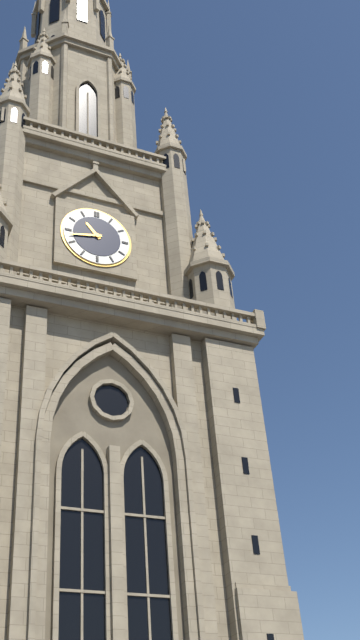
10:43
